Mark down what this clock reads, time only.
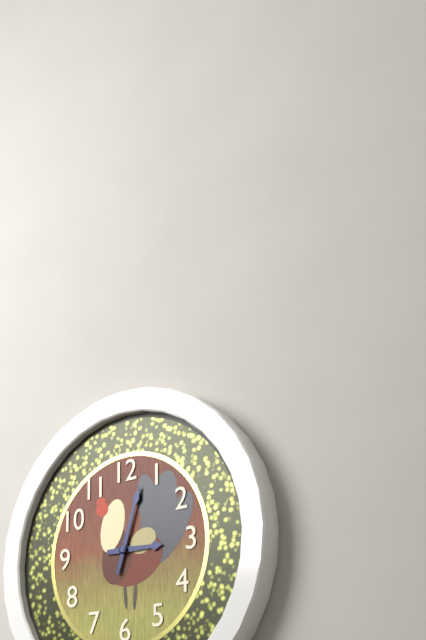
3:03
